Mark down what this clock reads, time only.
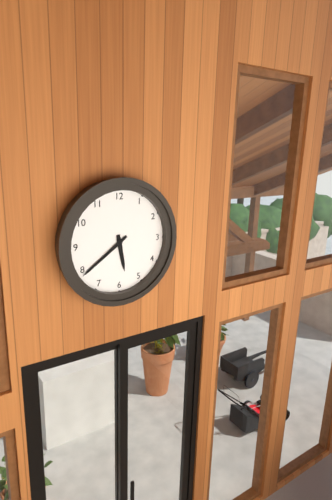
5:39
